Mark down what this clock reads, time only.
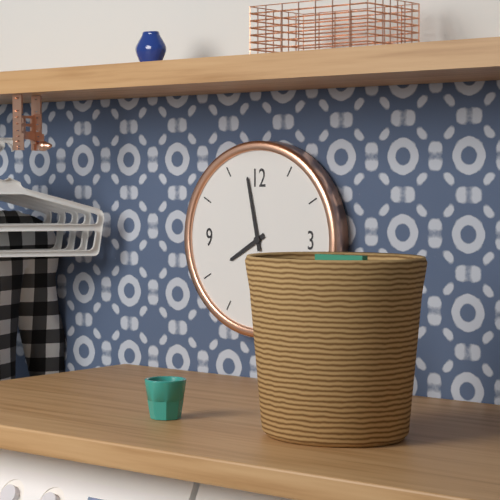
7:58
